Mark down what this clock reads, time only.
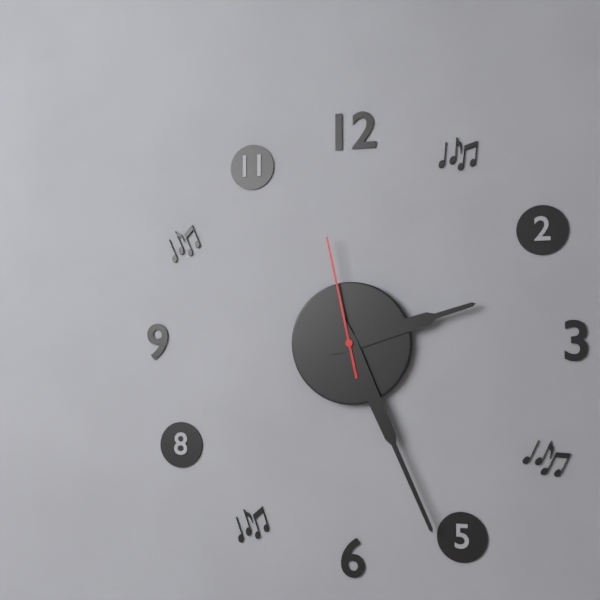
2:26:58
